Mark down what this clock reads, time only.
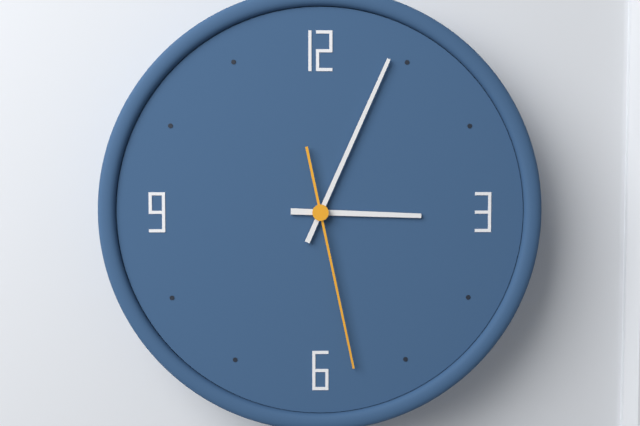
3:04:28
